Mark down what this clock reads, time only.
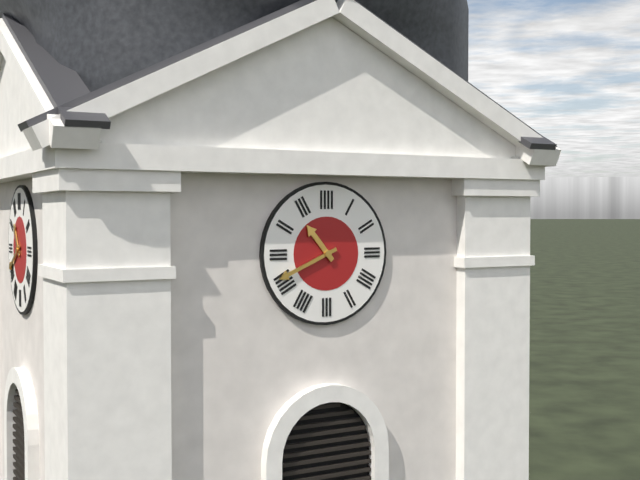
10:41
